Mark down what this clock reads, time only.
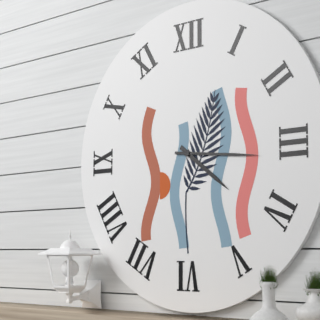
4:16
